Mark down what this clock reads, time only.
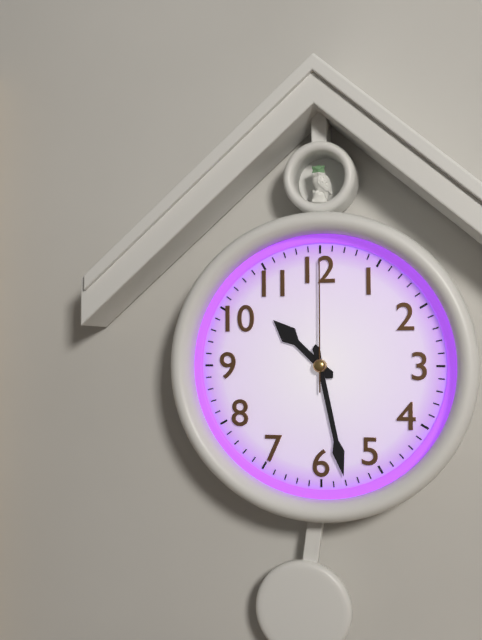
10:28:00
